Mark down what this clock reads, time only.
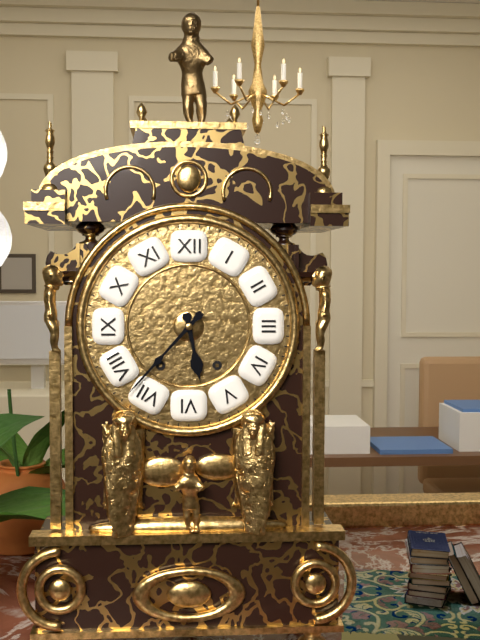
5:37
